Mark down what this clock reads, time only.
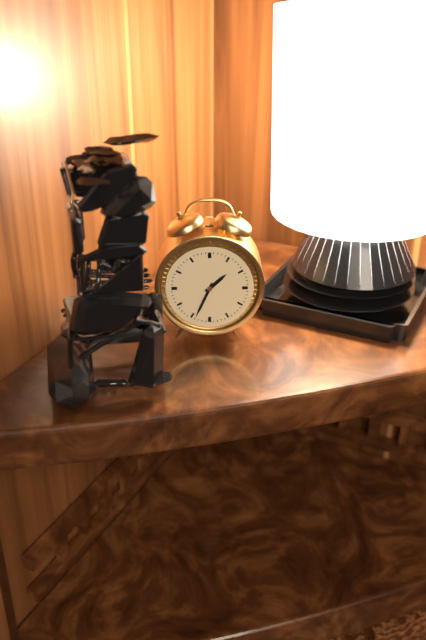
1:34
